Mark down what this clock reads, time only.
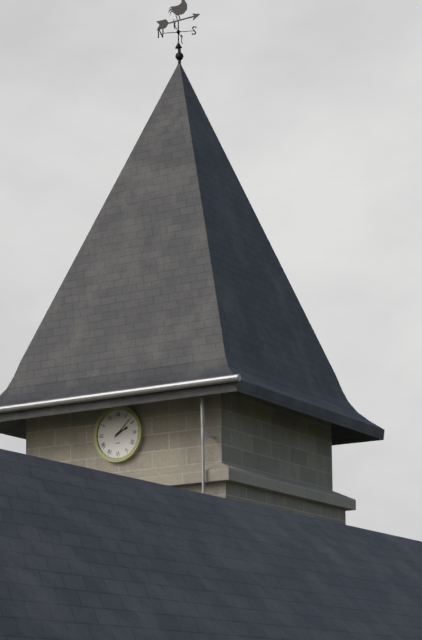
2:08
